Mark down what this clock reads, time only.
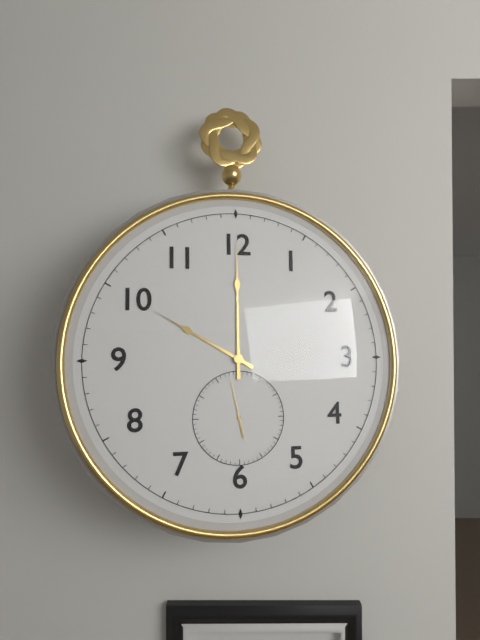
10:00
